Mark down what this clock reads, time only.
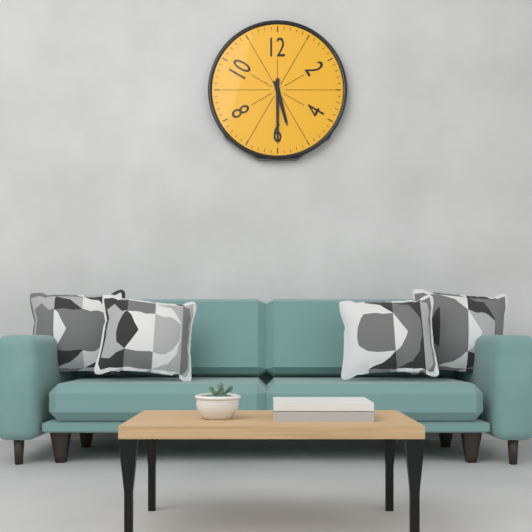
5:30
